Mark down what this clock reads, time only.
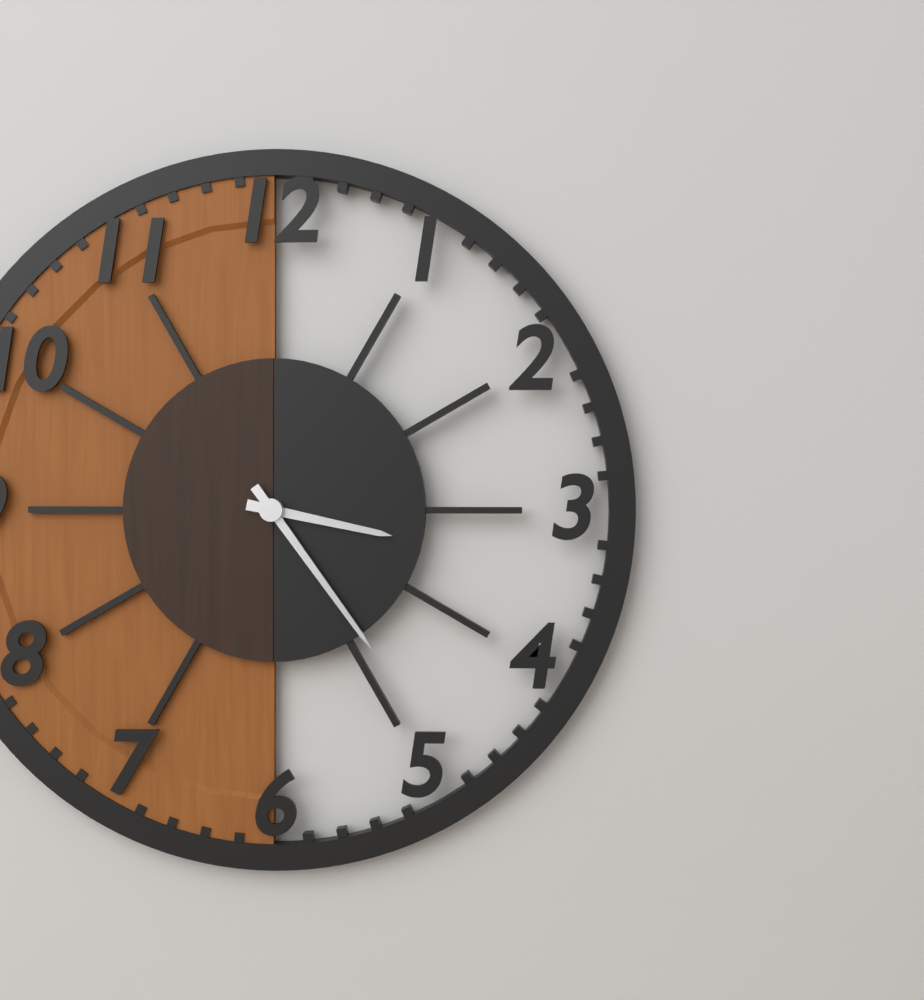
3:24
